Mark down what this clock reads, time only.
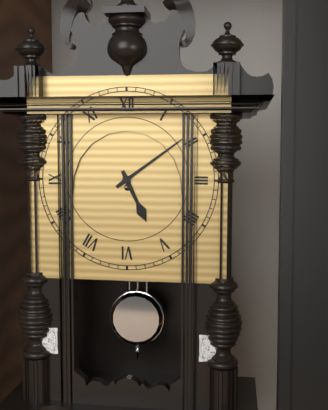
5:09
